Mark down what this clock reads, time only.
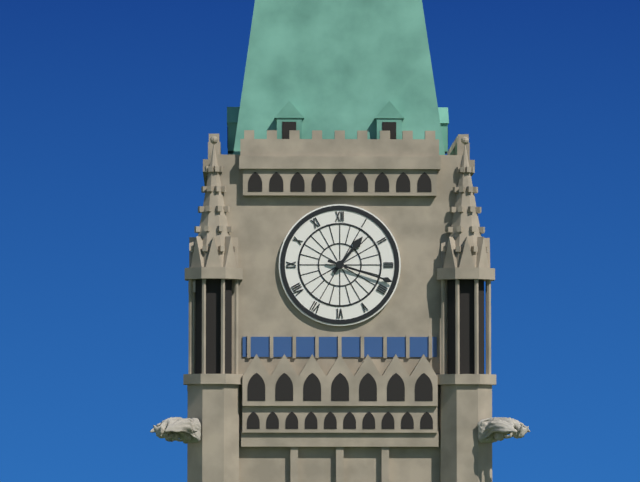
1:18
